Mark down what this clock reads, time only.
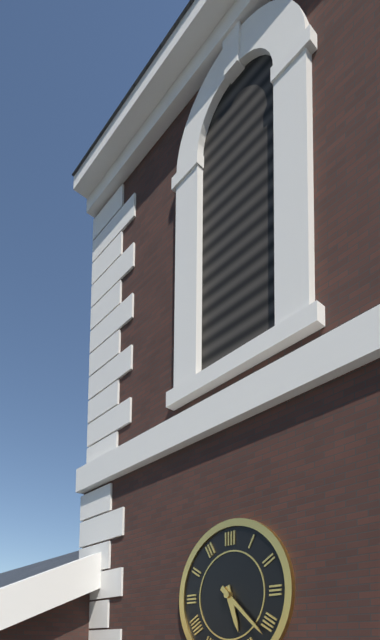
5:22
